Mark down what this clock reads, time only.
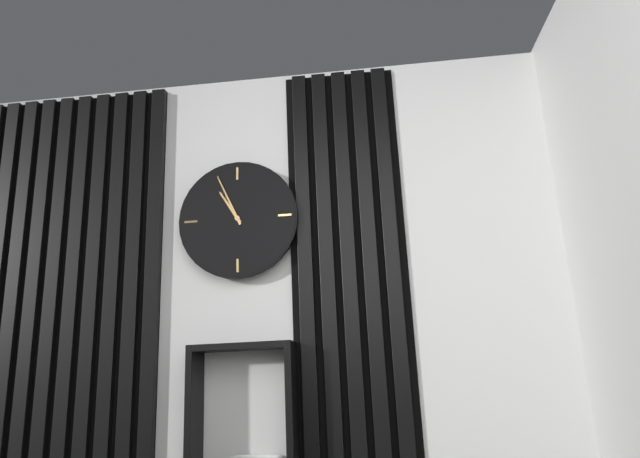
10:56
